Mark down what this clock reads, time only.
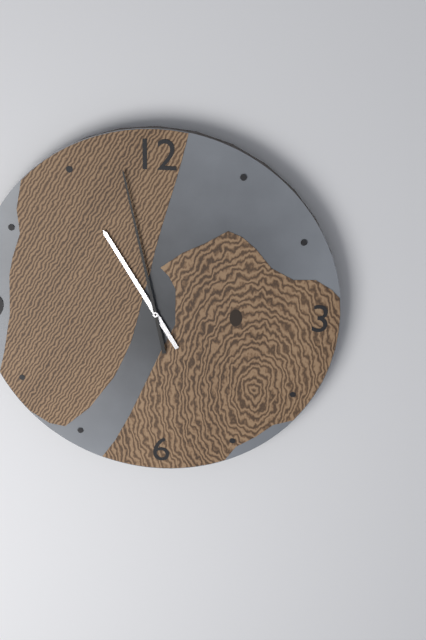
10:58
